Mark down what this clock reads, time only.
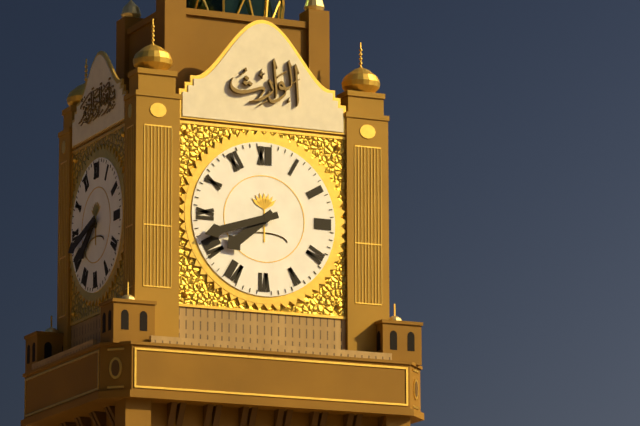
7:42
